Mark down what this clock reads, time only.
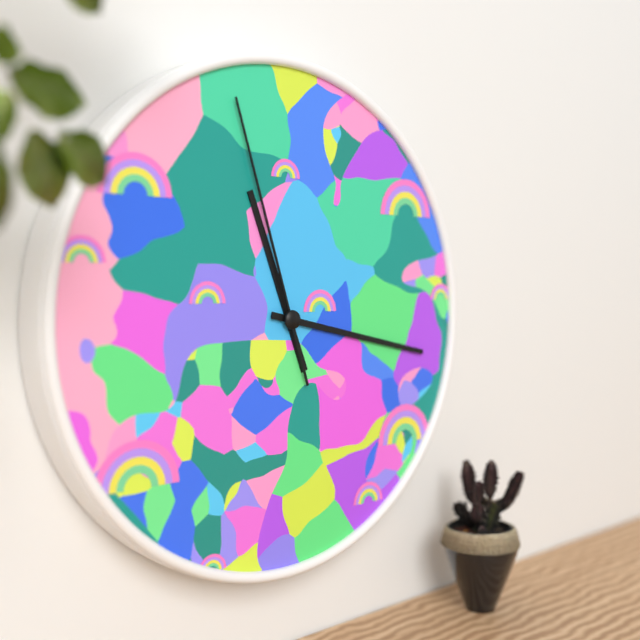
11:17:57
